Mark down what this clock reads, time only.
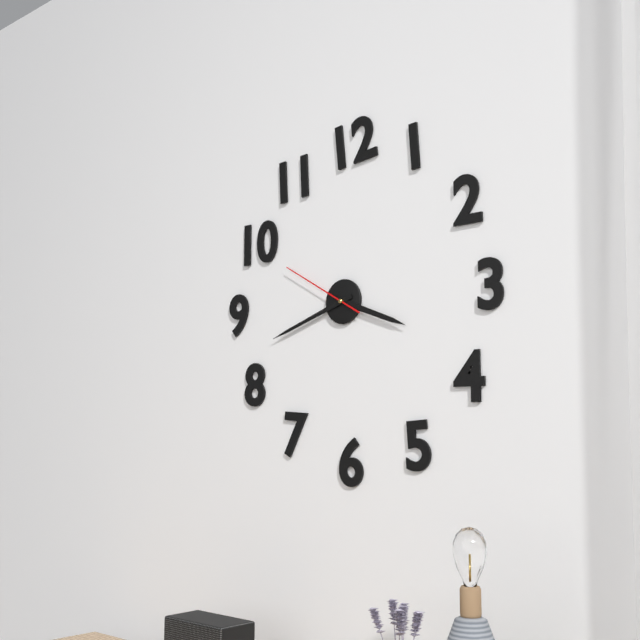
3:42:50
